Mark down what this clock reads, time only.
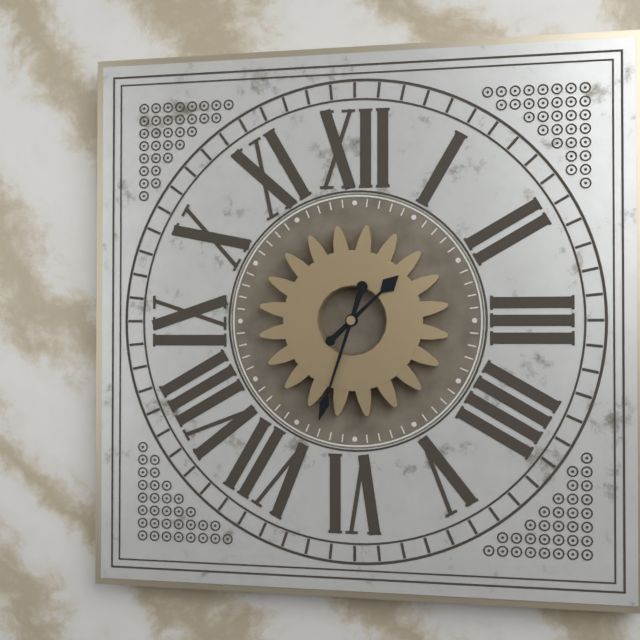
1:33
